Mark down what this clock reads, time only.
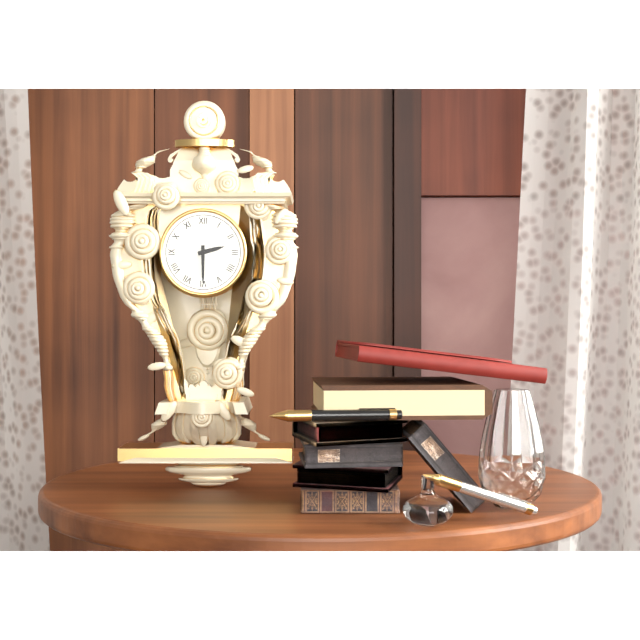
2:30
